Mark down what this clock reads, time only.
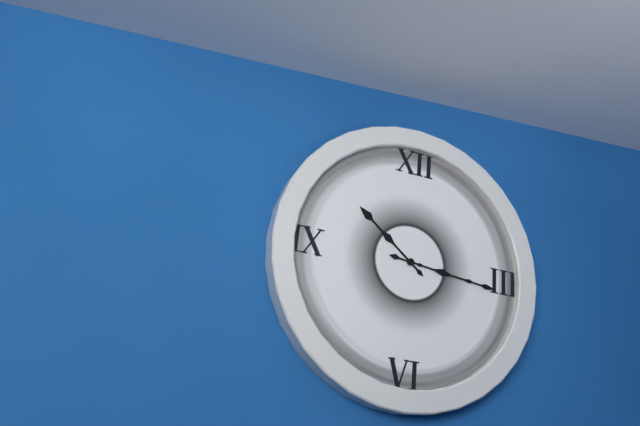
10:16
